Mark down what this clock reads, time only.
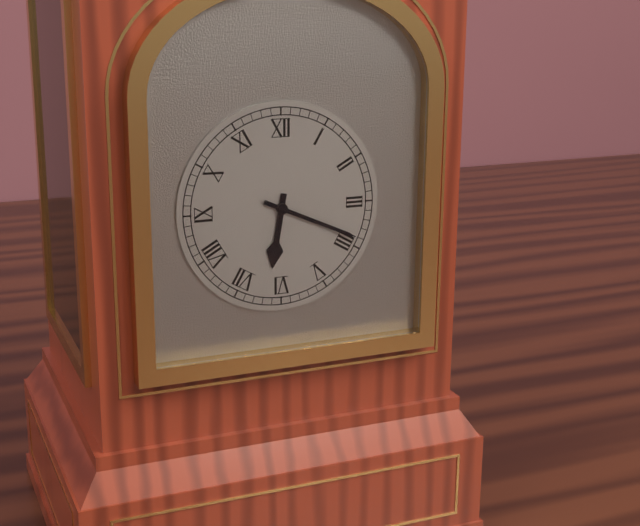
6:19
